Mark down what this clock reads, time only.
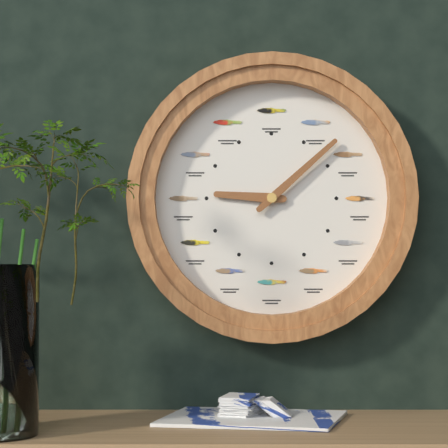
9:08
